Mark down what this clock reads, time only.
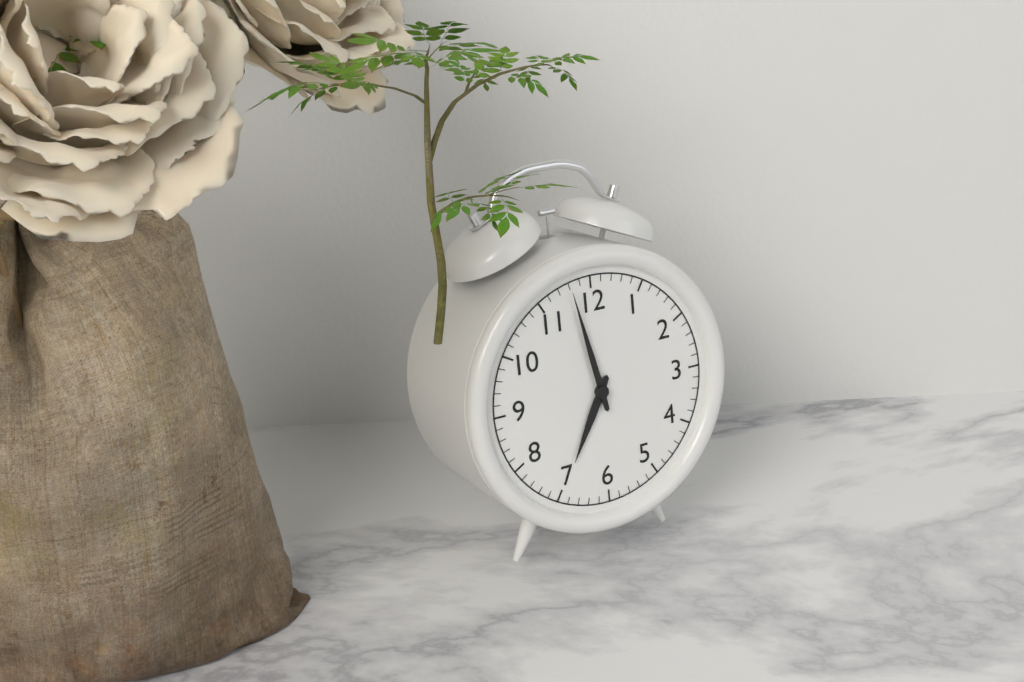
6:58
